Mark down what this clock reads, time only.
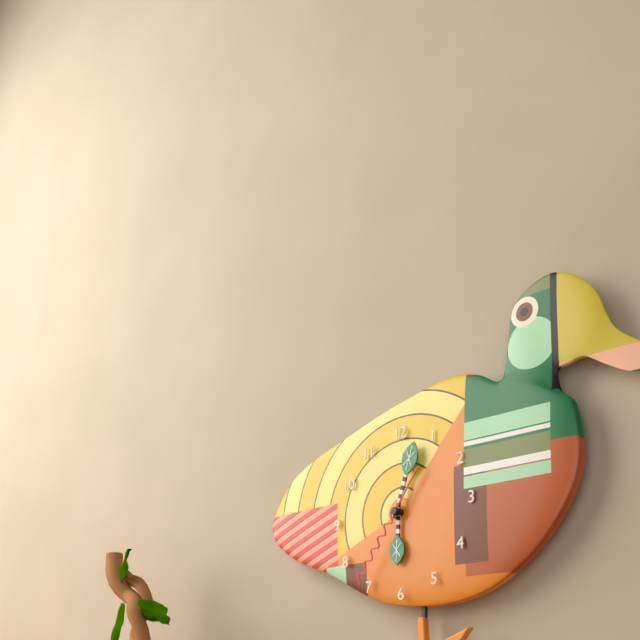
6:03:36
